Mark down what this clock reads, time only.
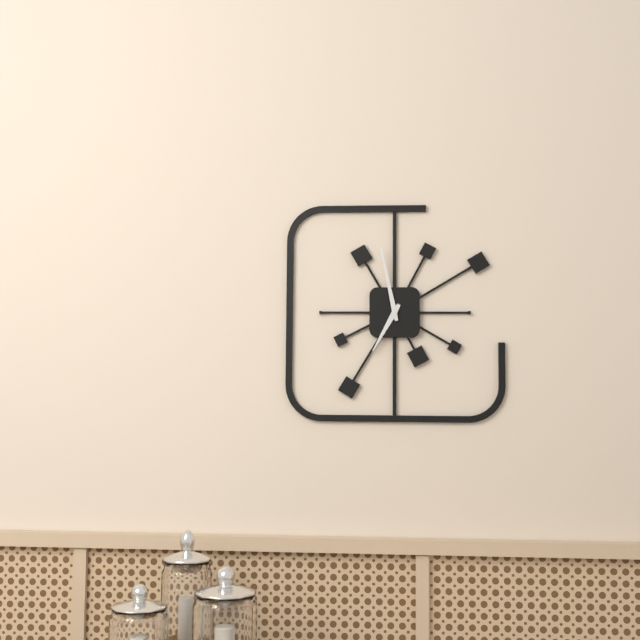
6:58
